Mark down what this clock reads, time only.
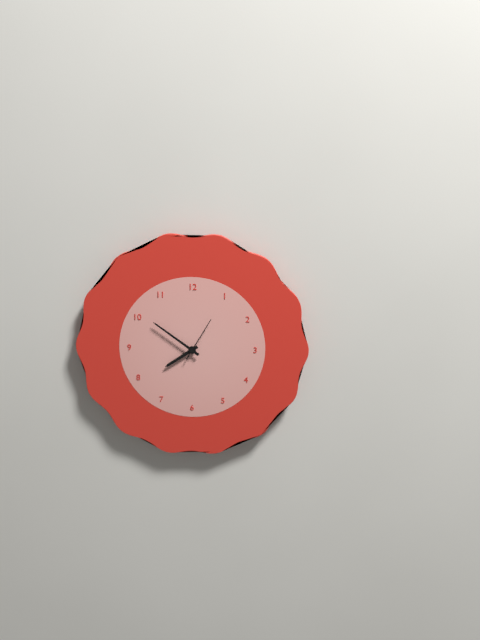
7:51
